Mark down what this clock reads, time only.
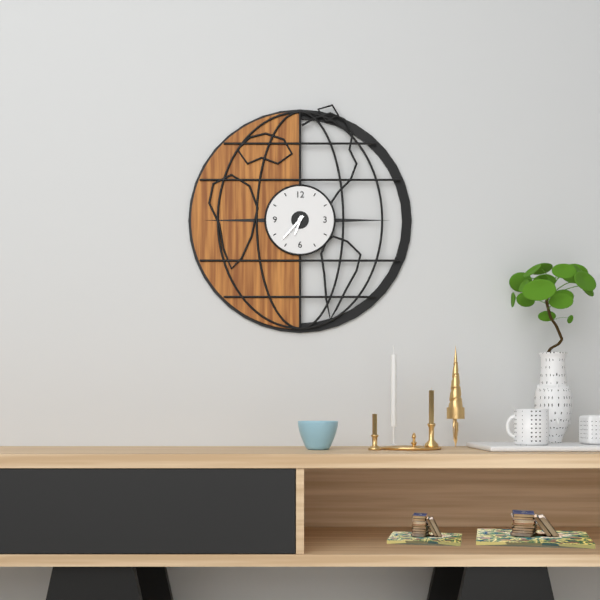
6:37
